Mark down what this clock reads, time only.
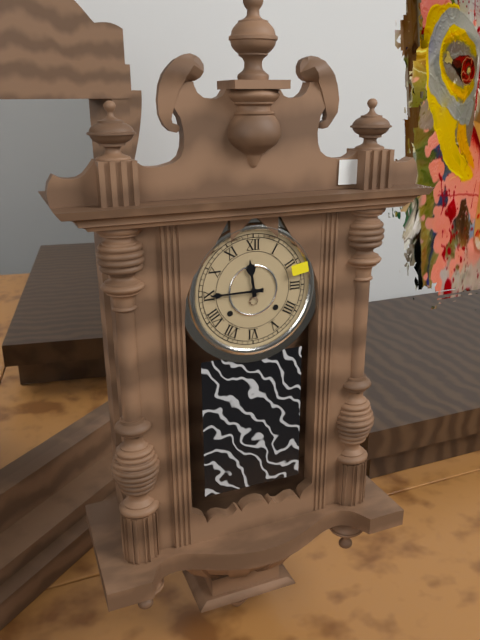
11:45
